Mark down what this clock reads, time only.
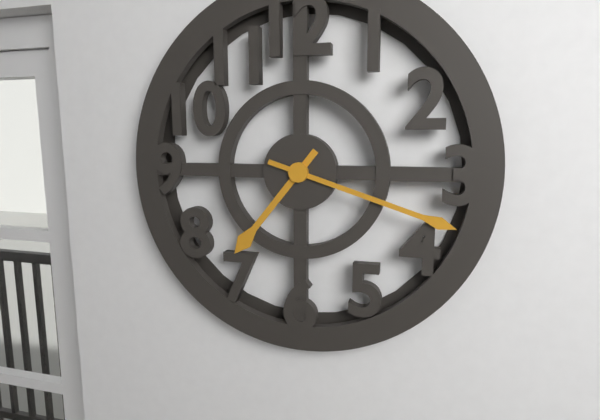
7:18
